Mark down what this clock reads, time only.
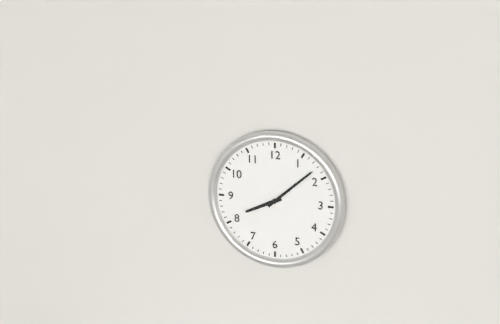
8:08
